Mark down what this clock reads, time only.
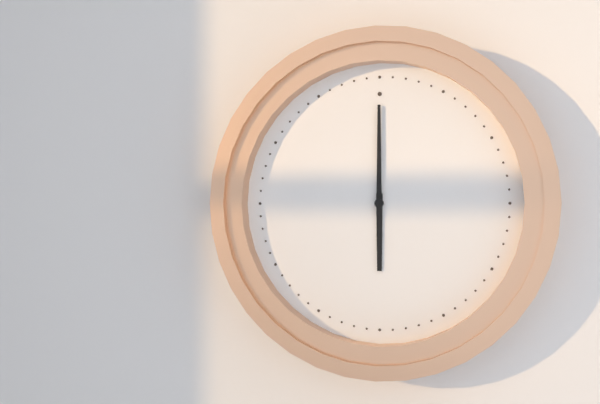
6:00
